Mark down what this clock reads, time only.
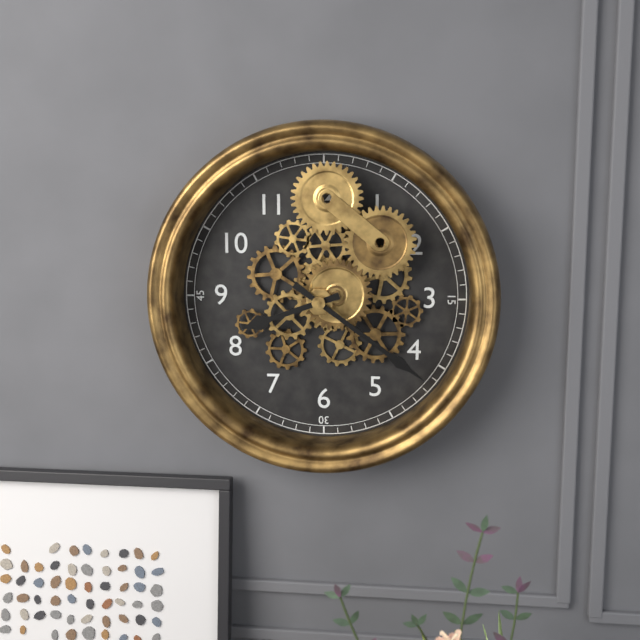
8:21
